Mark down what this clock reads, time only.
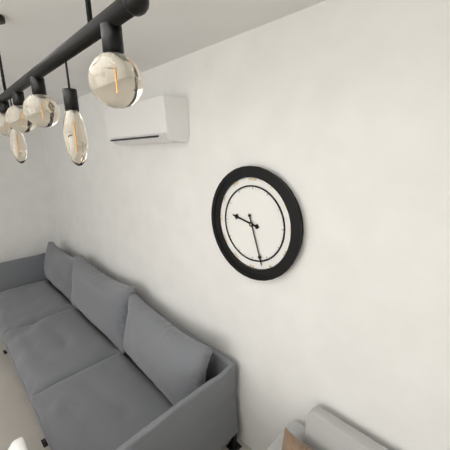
9:27
